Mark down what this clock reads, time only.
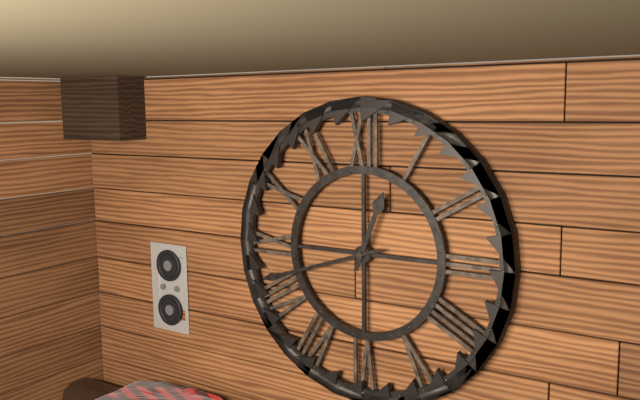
12:42
